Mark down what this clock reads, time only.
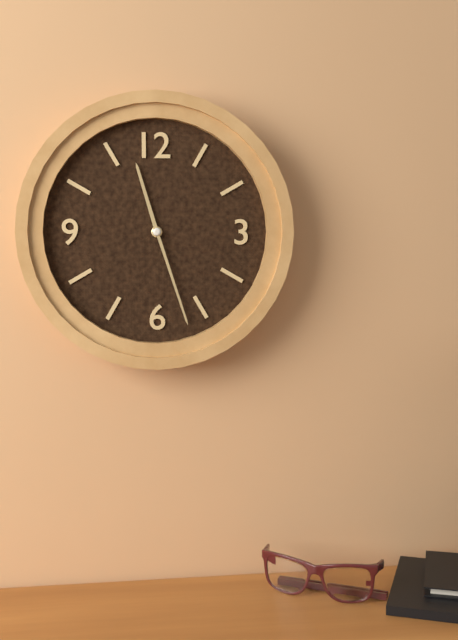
11:27
